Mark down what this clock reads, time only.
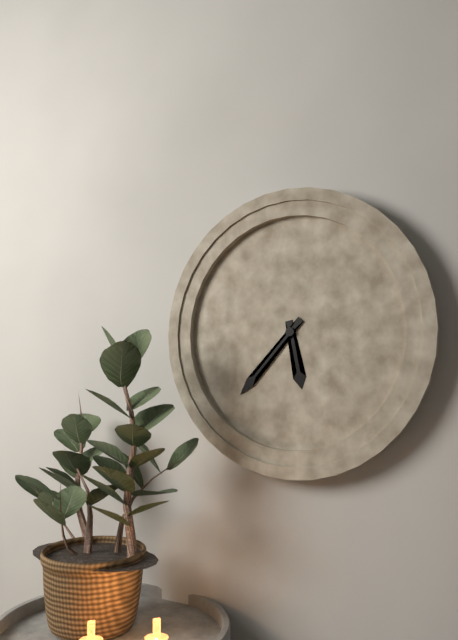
5:37
